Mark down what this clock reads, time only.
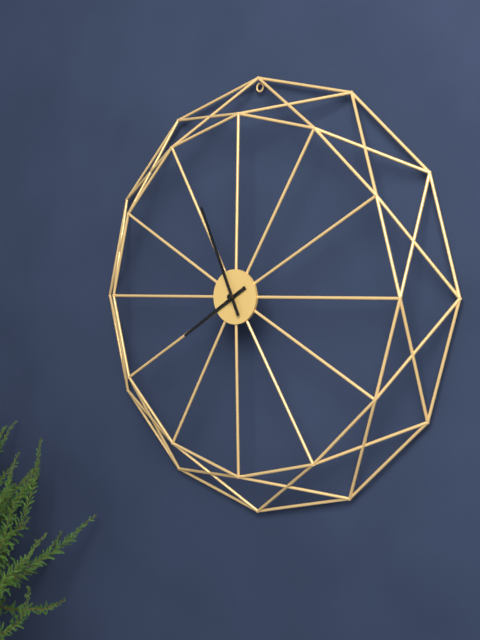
7:56
